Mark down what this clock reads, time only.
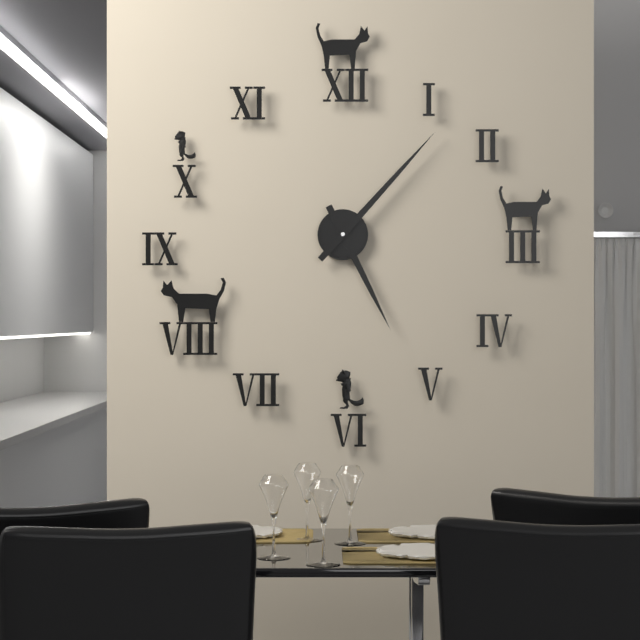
5:07
